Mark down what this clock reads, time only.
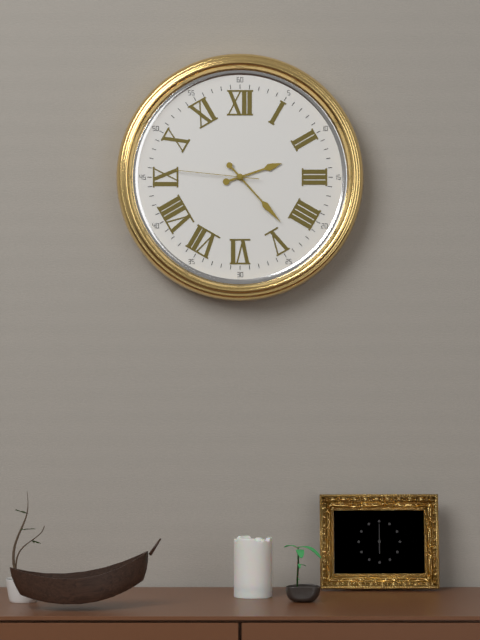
2:23:46
